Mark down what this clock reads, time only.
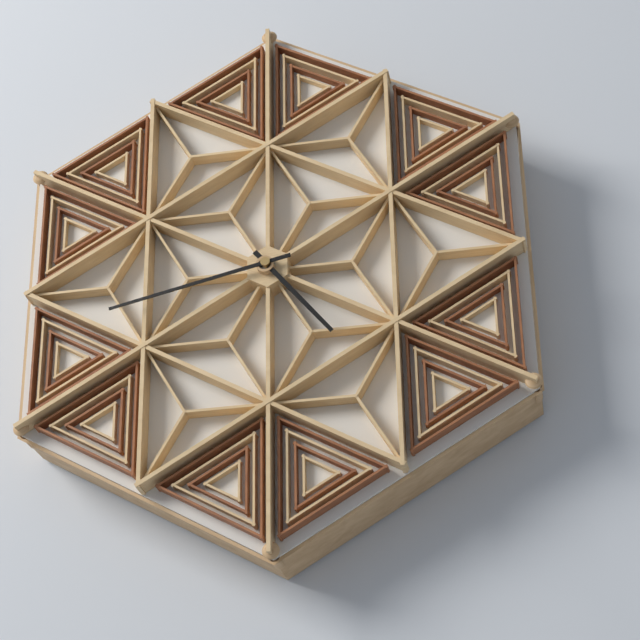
4:43
